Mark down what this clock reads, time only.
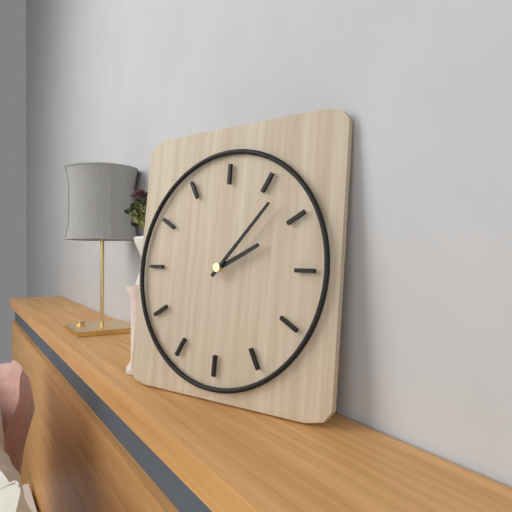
2:07
